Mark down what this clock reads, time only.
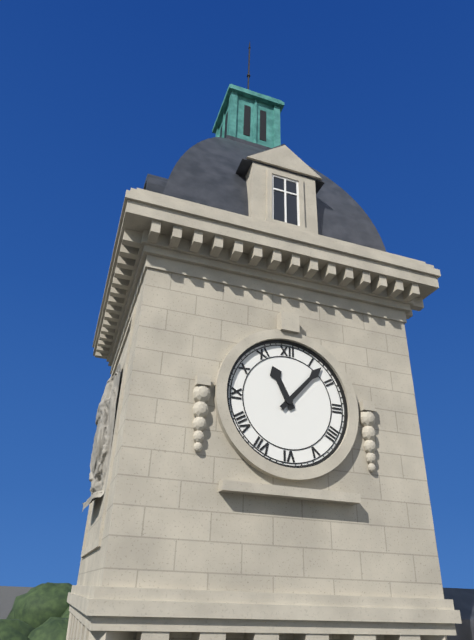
11:07
